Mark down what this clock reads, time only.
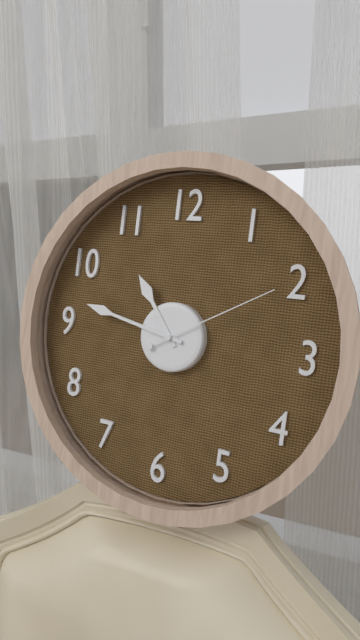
10:47:10
